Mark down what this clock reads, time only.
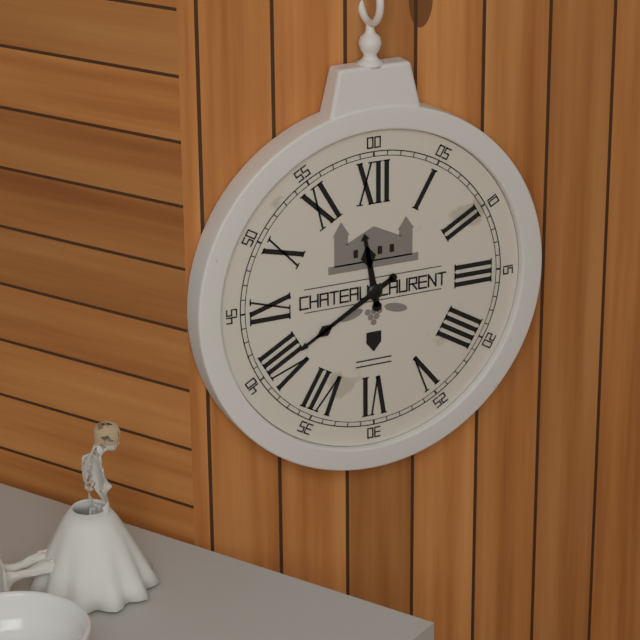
11:40
